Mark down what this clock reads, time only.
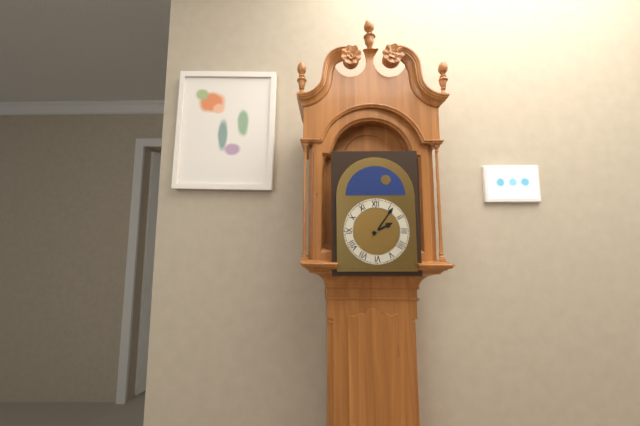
2:06
